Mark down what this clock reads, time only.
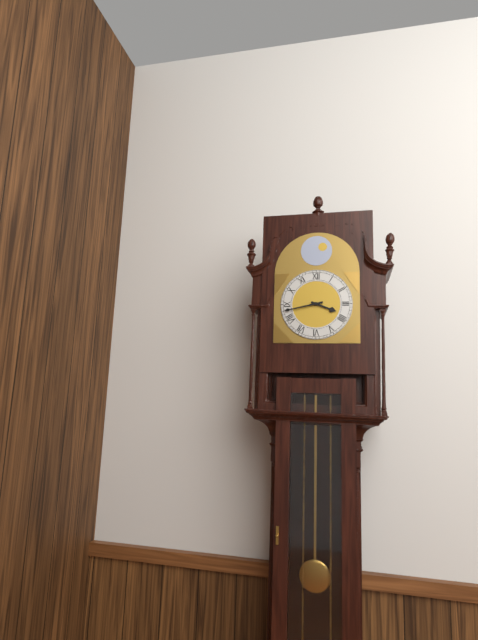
3:43
